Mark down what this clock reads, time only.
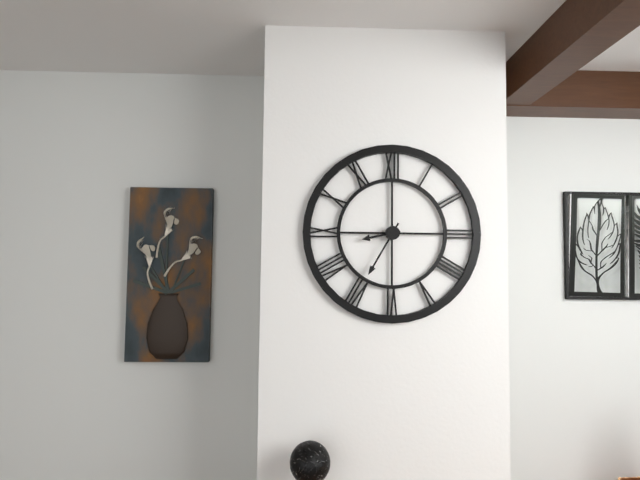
8:35
